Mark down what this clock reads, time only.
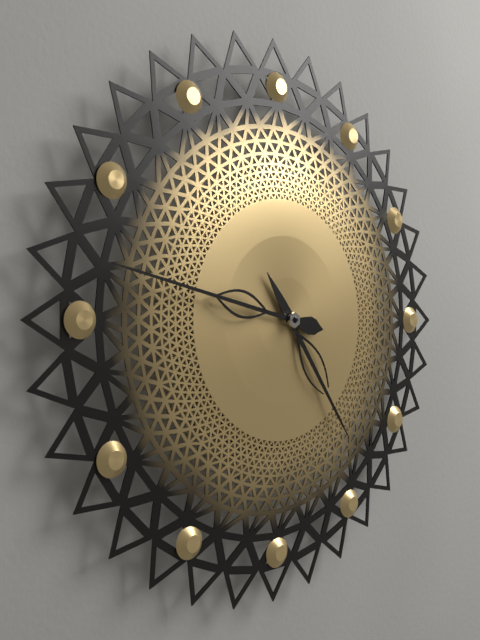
4:47
